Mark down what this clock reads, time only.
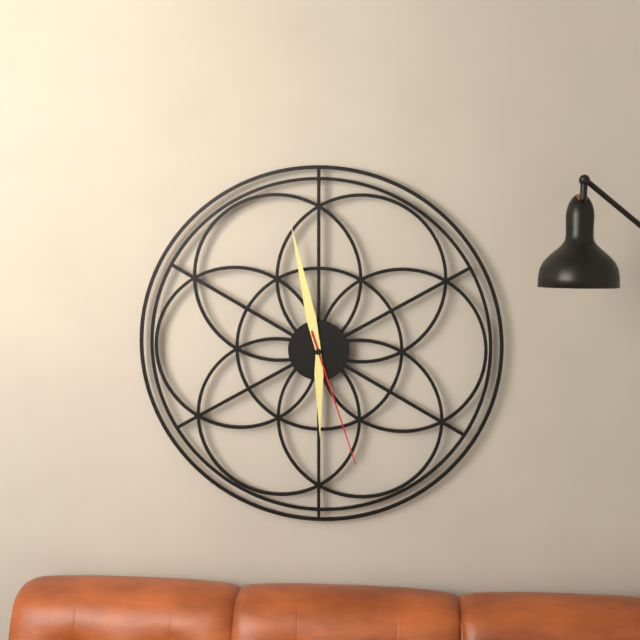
5:58:27
